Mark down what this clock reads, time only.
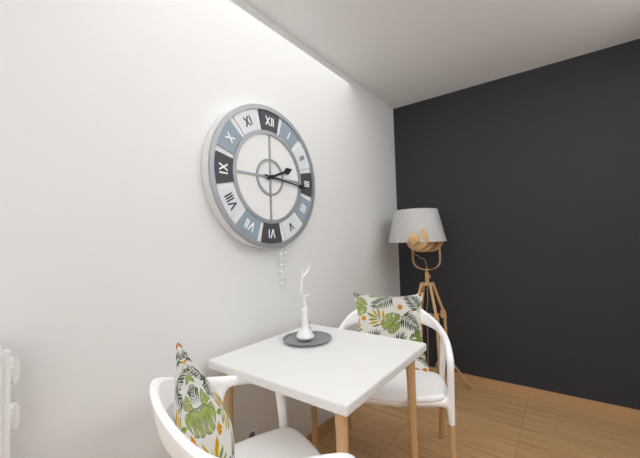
2:16
